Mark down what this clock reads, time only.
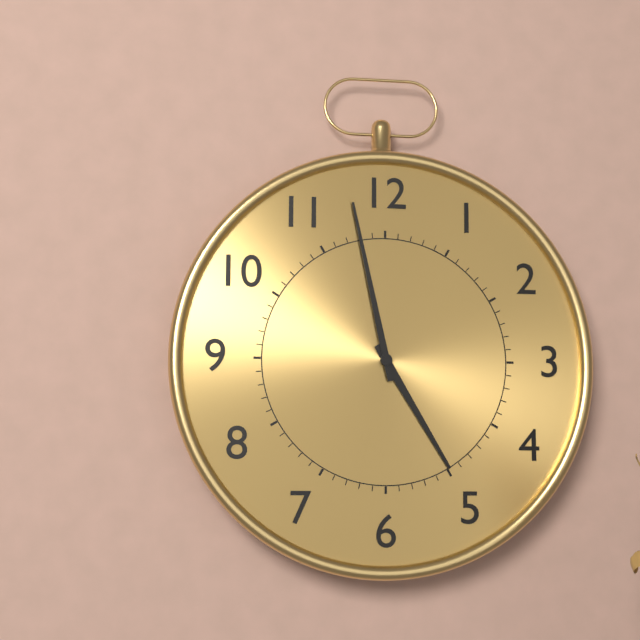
4:58
